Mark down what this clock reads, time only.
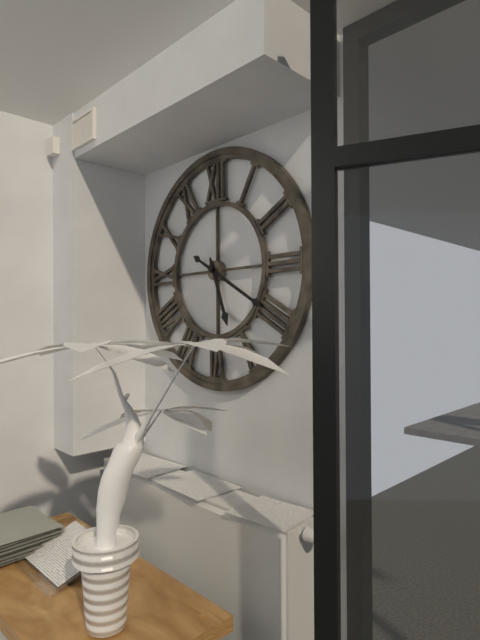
5:20
